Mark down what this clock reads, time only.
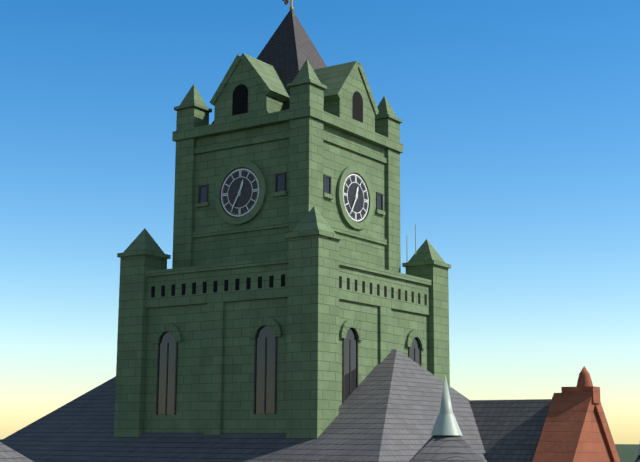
12:35
